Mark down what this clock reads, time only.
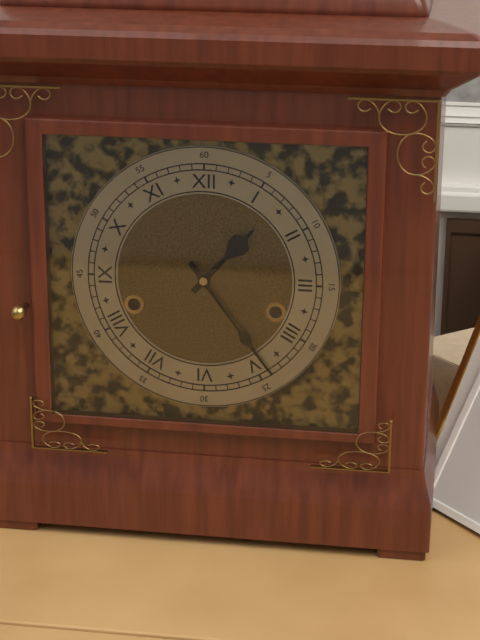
1:24
